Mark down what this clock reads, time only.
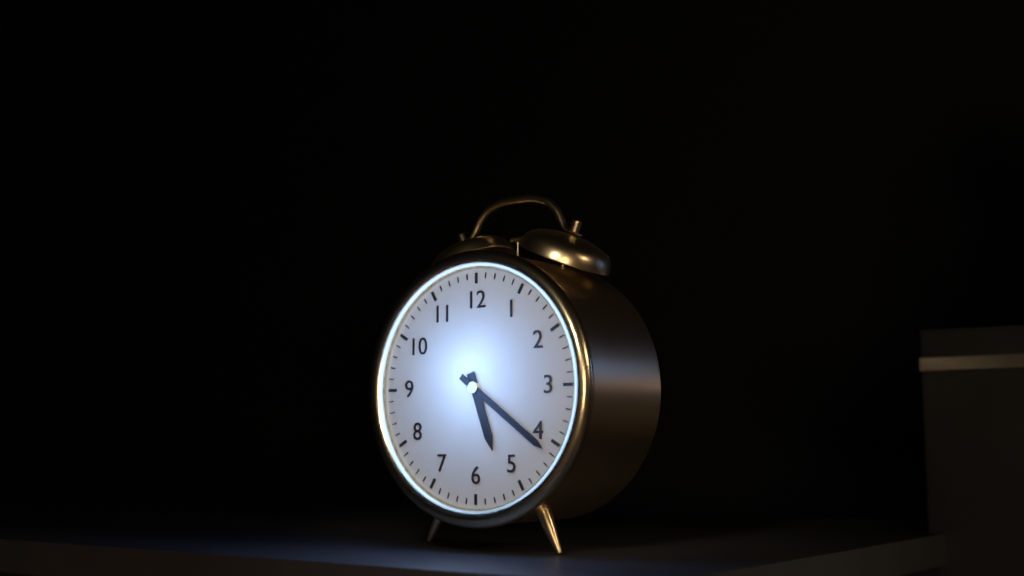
5:21
